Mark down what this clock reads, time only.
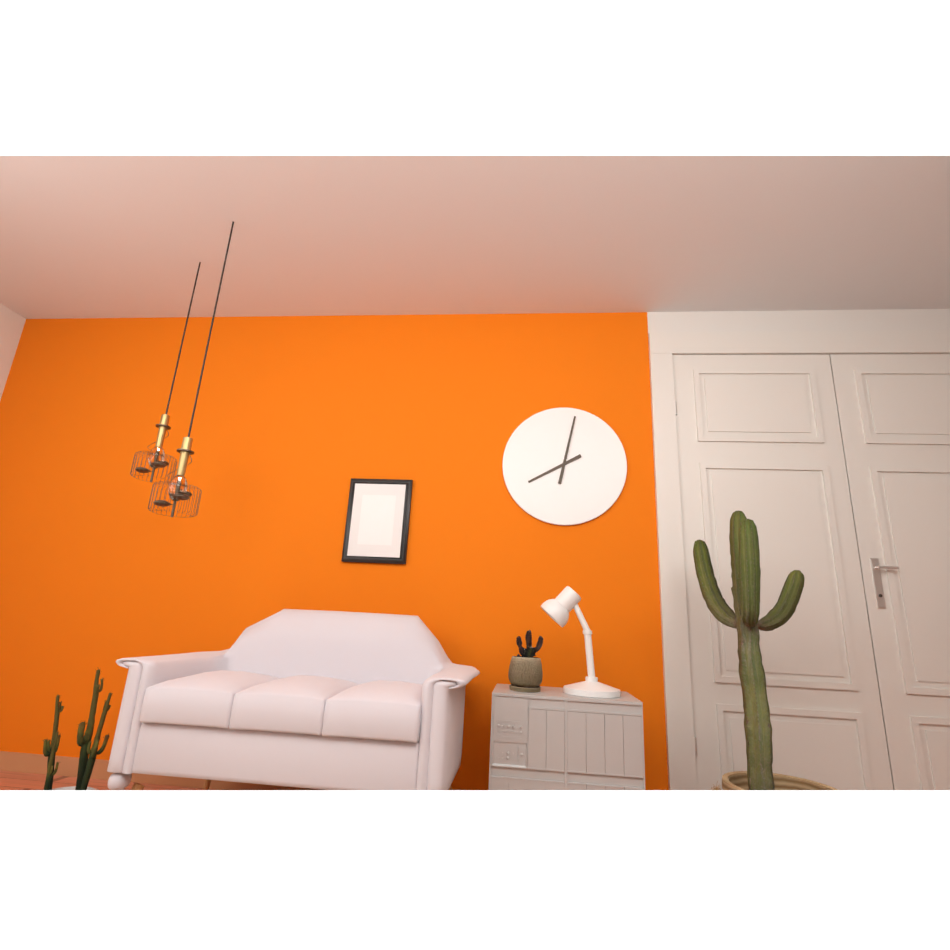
8:02
